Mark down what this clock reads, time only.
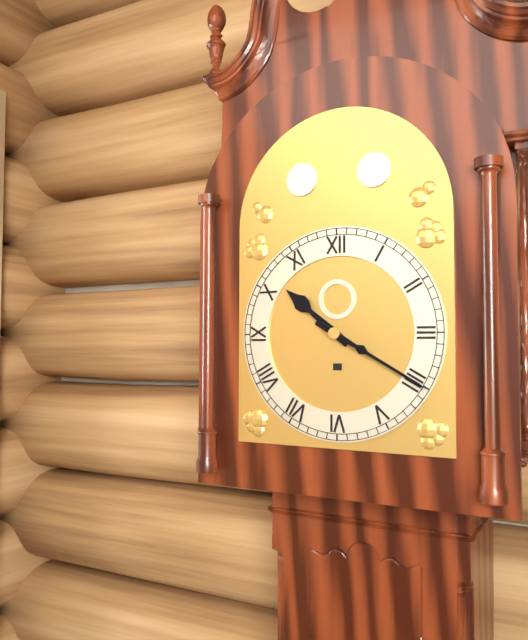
10:20
